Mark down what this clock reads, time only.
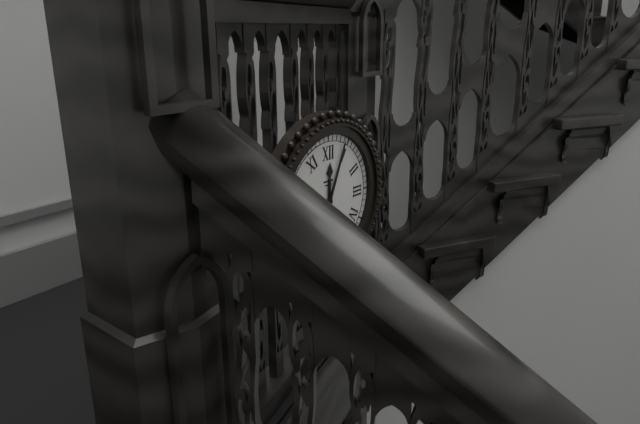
12:04
